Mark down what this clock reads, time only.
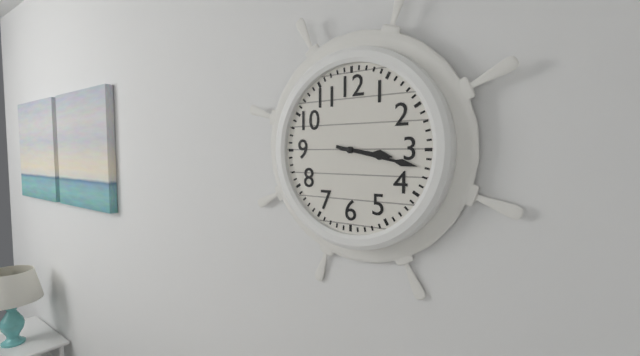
3:17
